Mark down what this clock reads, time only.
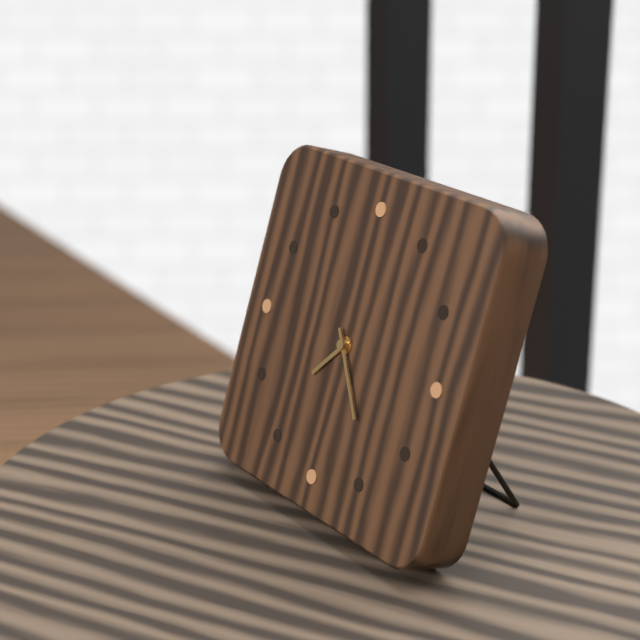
7:24
